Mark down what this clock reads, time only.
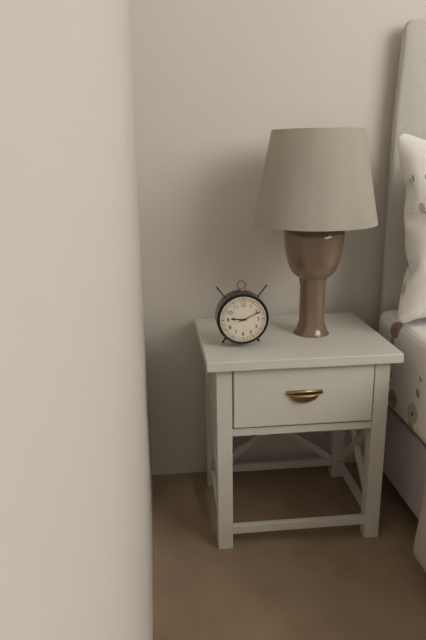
9:11
